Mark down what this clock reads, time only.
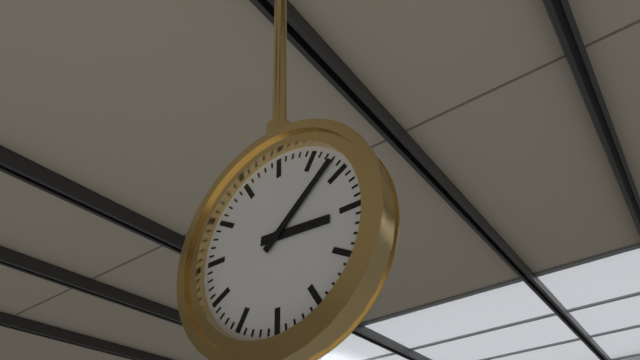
3:08
